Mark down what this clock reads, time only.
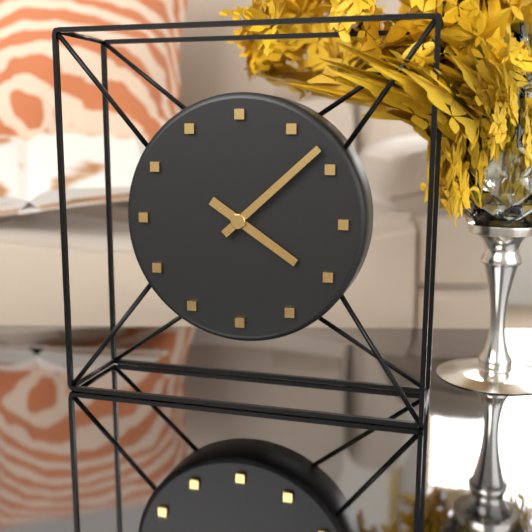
4:08
